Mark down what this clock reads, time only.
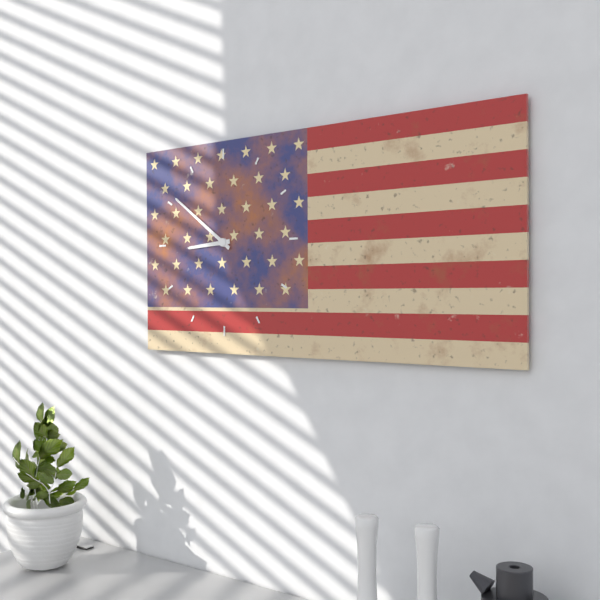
8:51
